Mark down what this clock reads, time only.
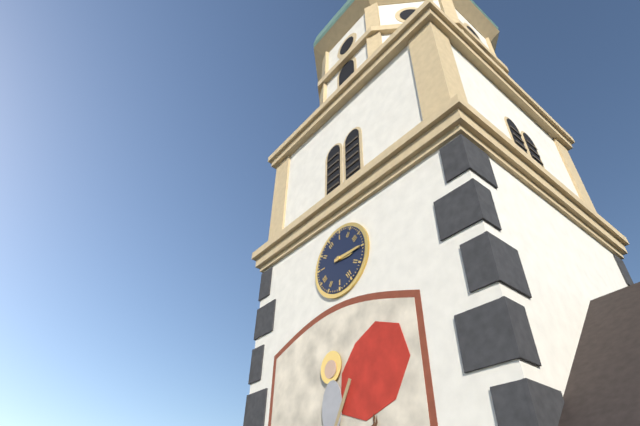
3:15
